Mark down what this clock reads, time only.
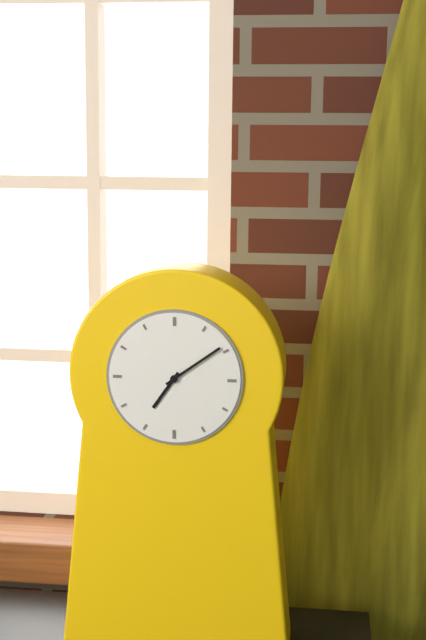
7:09
